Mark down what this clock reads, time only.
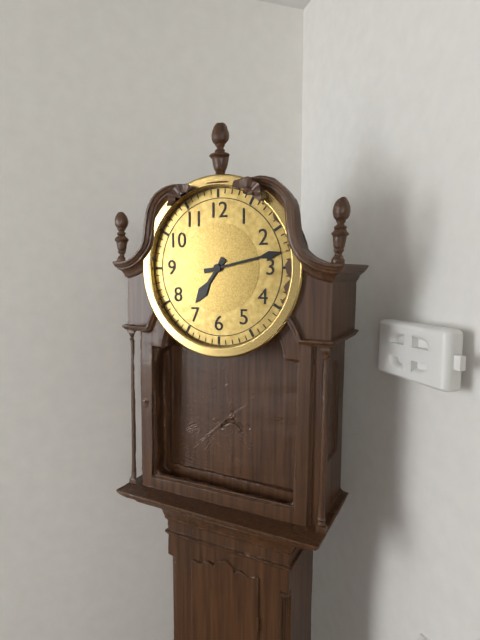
7:13
